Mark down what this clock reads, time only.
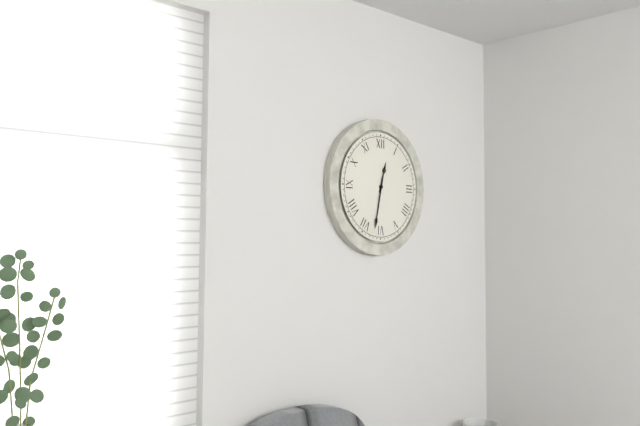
12:32
